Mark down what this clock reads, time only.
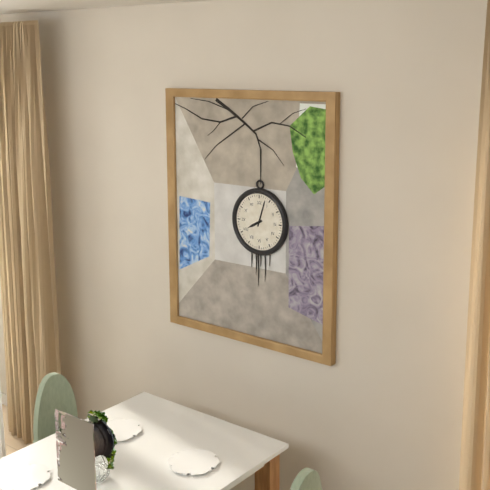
8:03
